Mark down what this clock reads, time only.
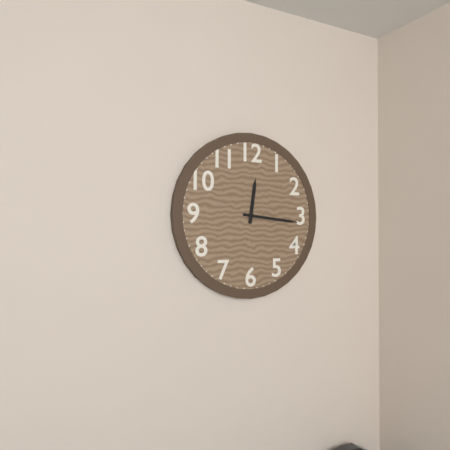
12:16
